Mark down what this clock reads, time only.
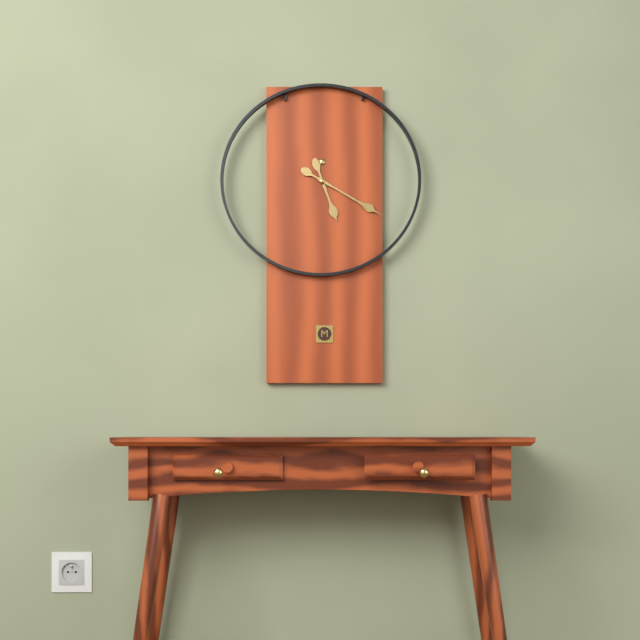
5:20
